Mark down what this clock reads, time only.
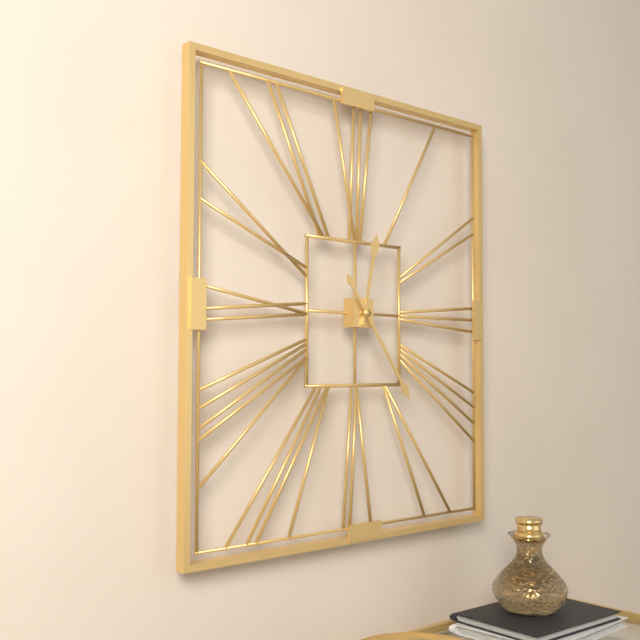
12:24
